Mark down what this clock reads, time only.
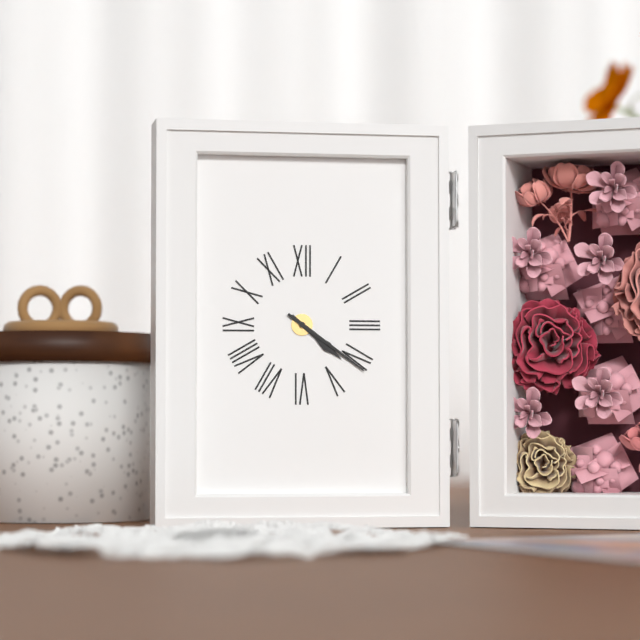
4:21
